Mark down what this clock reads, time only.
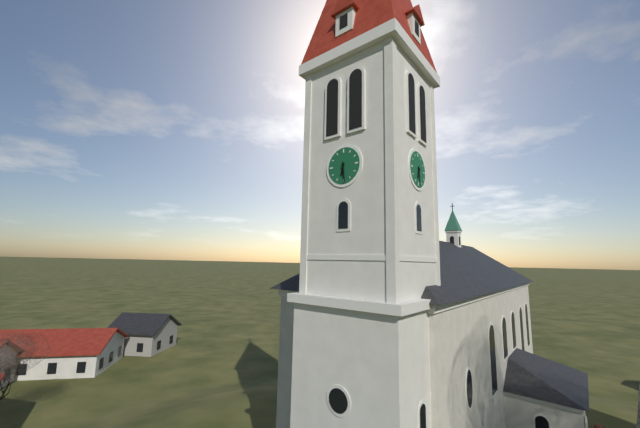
6:29
